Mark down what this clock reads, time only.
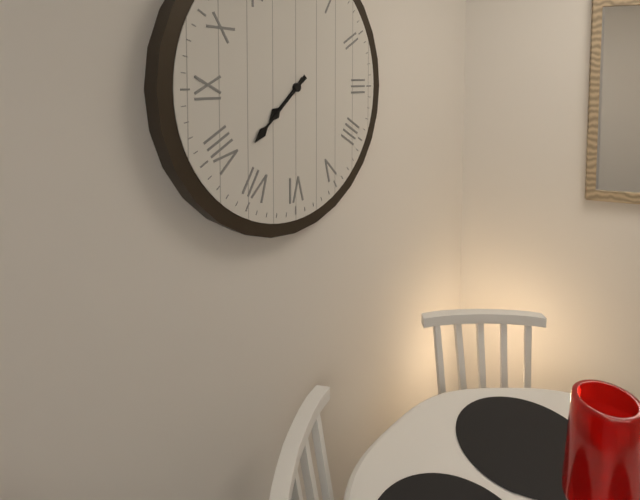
7:38
